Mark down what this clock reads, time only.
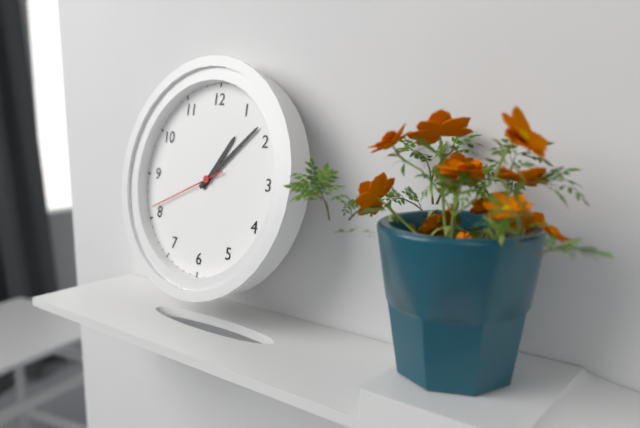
1:08:41
